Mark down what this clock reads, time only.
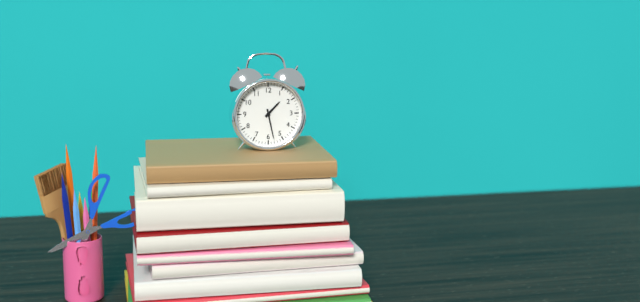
1:28
